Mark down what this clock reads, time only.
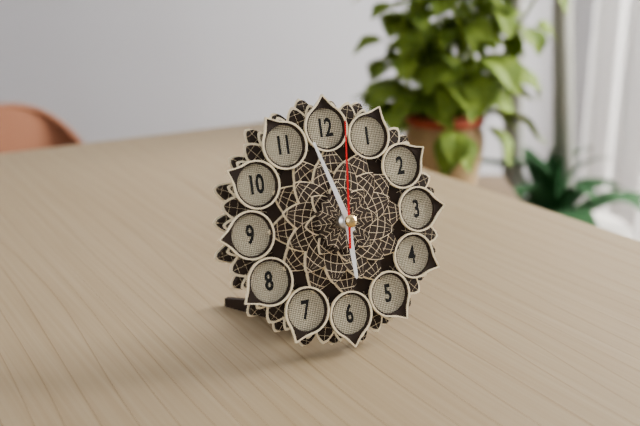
5:57:01
